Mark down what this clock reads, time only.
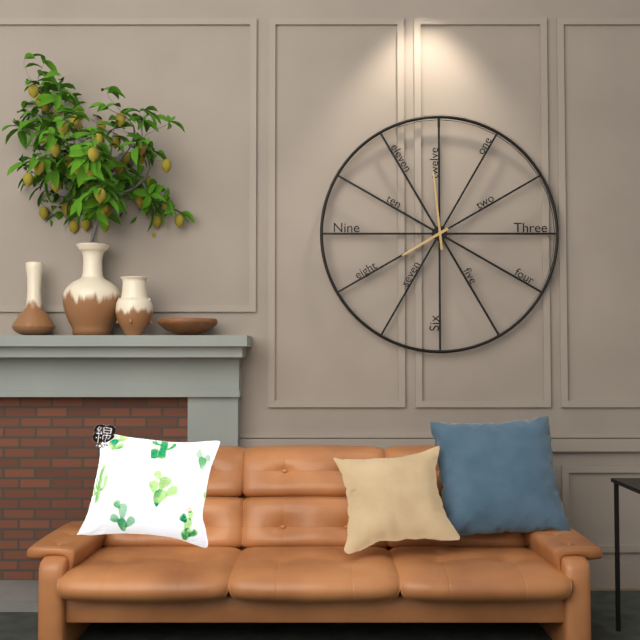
7:59
